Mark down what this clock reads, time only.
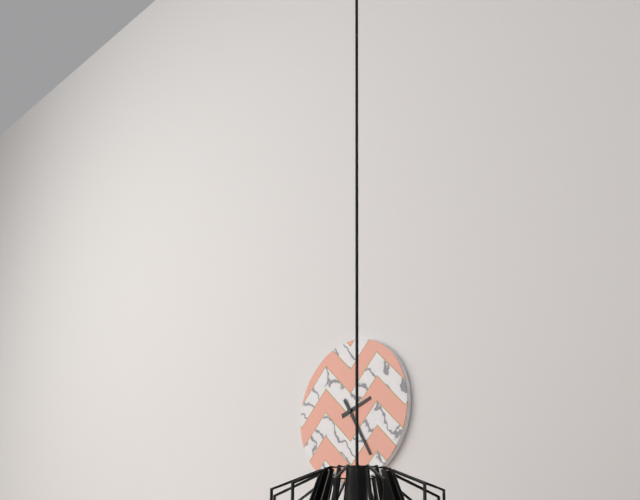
2:25
